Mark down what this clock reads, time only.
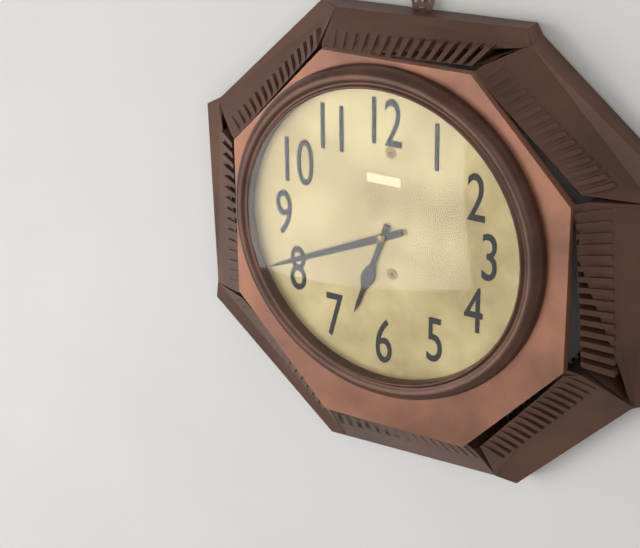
6:41
